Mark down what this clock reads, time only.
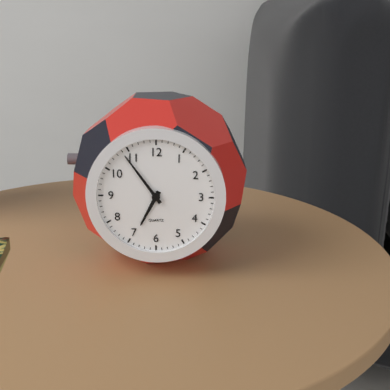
6:54
